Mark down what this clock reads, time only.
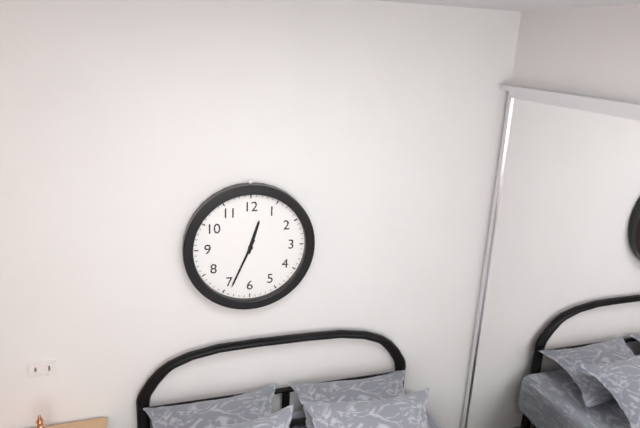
12:34
